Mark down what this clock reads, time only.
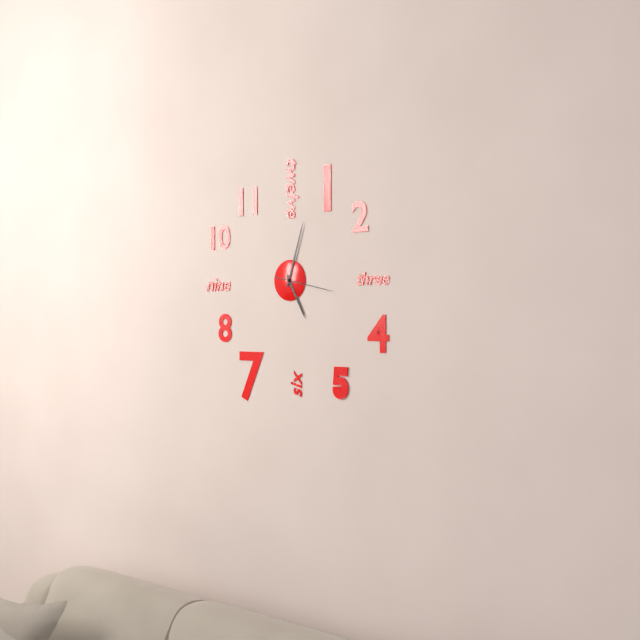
5:03:17
